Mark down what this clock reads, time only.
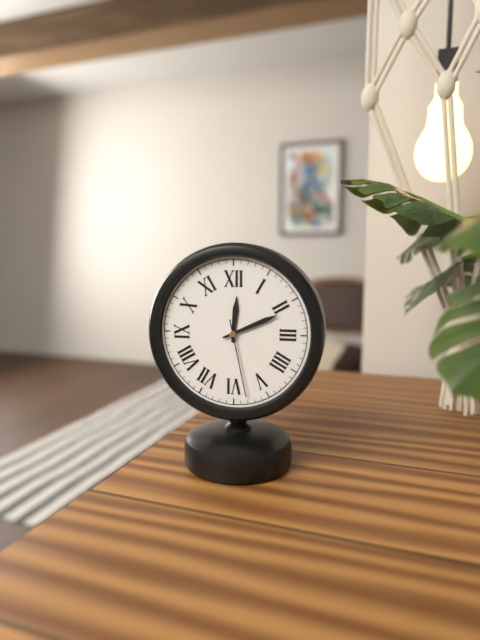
12:11:28
